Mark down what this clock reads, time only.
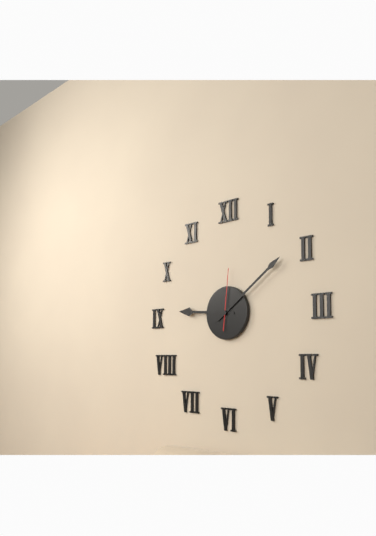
9:09:01
